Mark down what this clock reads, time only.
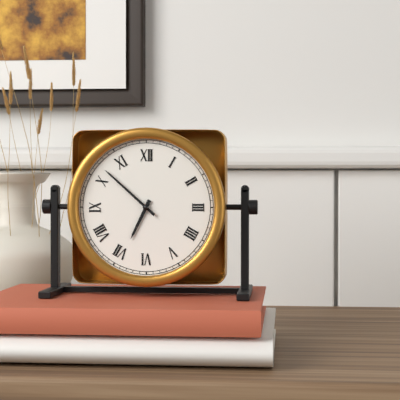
6:52
